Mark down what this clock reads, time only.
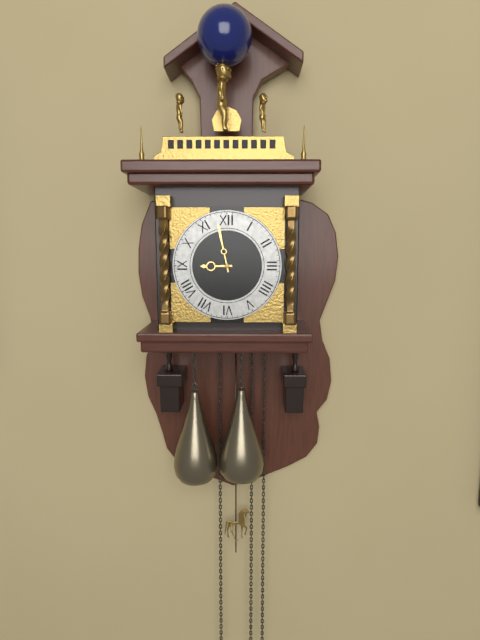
8:58
